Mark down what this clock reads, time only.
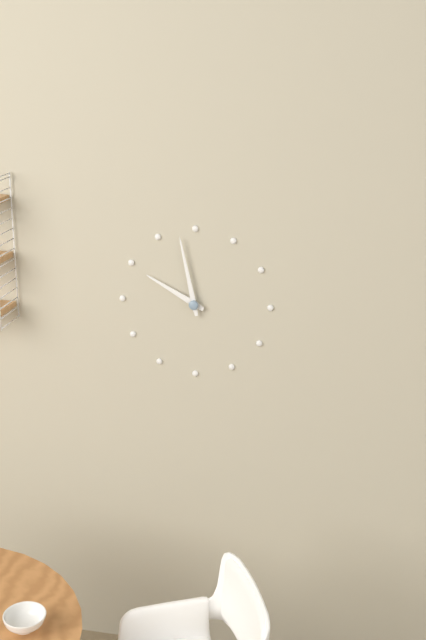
9:58
